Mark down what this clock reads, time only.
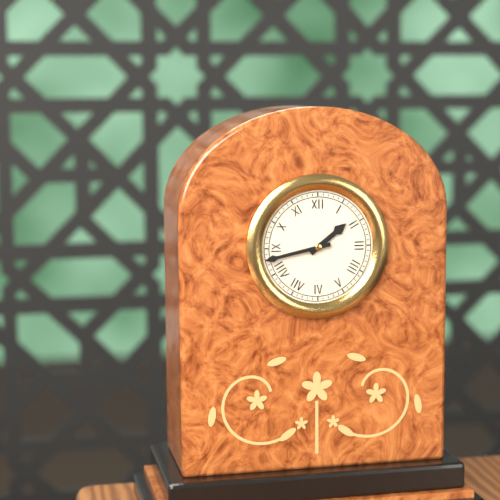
1:43
